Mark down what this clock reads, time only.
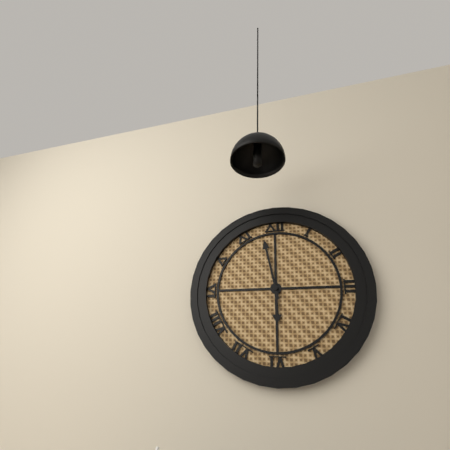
5:58
